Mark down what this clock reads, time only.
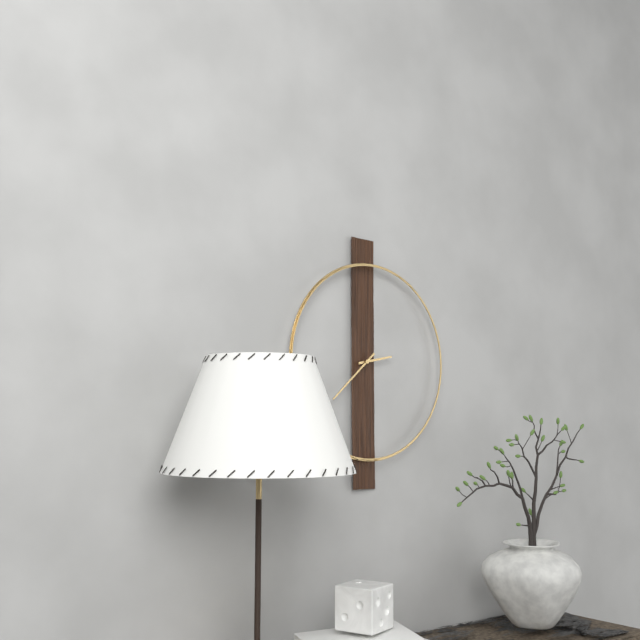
2:38
